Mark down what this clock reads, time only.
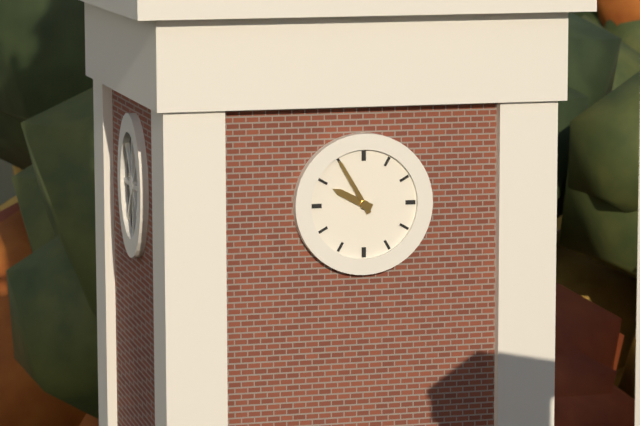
9:55
